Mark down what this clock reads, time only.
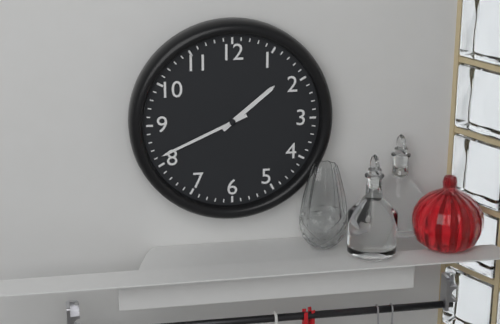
1:41
